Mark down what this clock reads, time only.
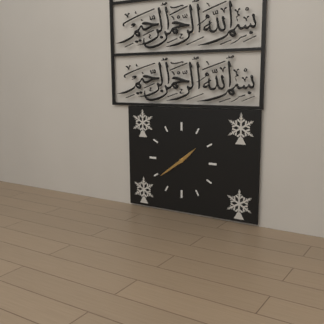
1:39
